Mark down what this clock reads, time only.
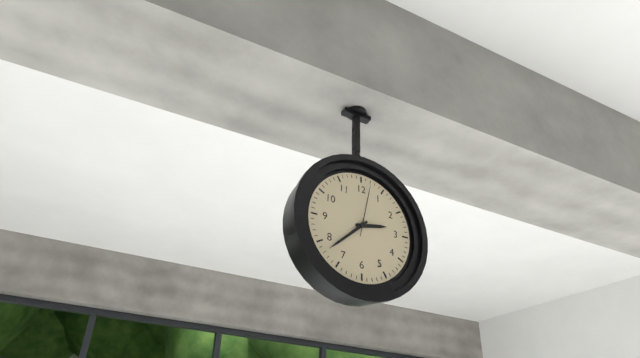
2:38:02
